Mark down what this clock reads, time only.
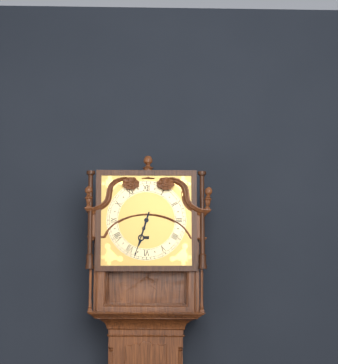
6:33
